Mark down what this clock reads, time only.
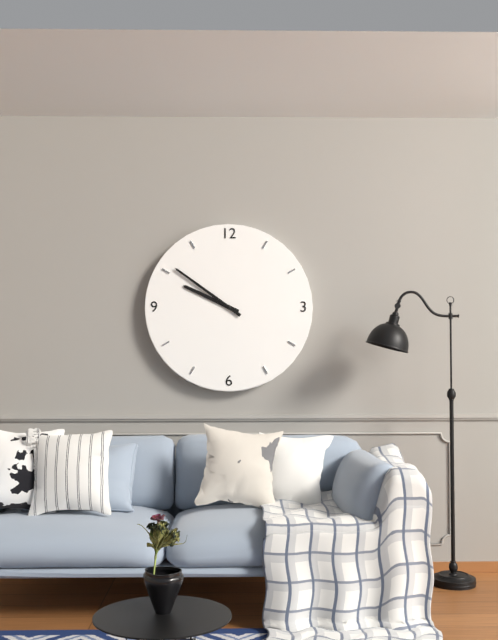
9:51
